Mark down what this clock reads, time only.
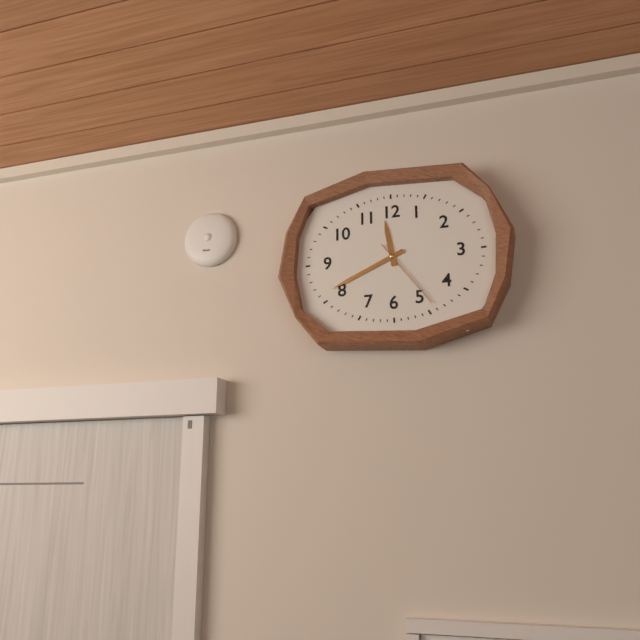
11:41:24
